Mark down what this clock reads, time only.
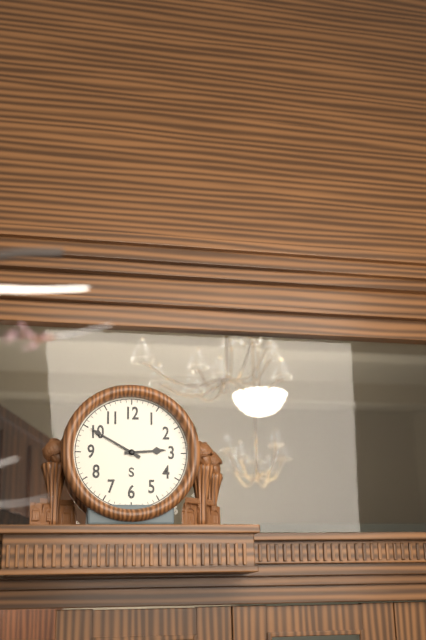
2:50
